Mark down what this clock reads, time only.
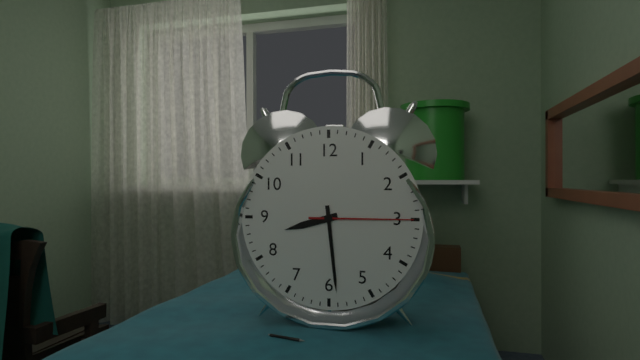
8:29:15
